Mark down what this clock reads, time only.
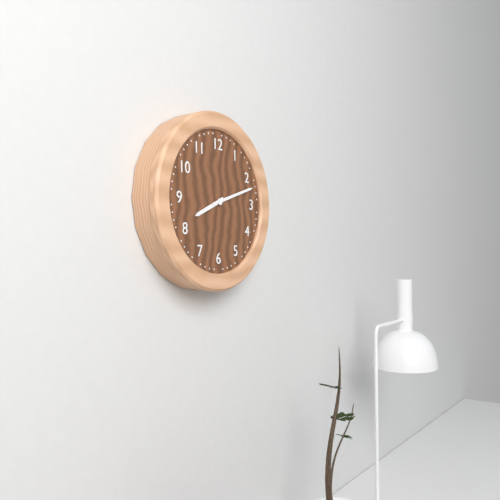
8:12
